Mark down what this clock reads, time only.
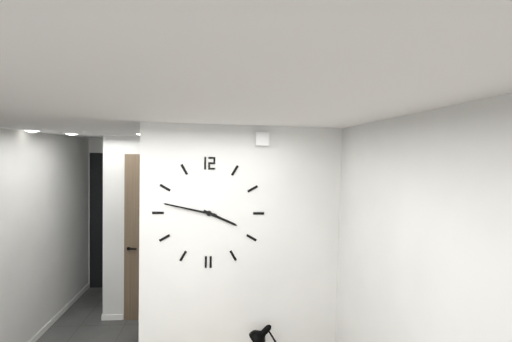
3:47
